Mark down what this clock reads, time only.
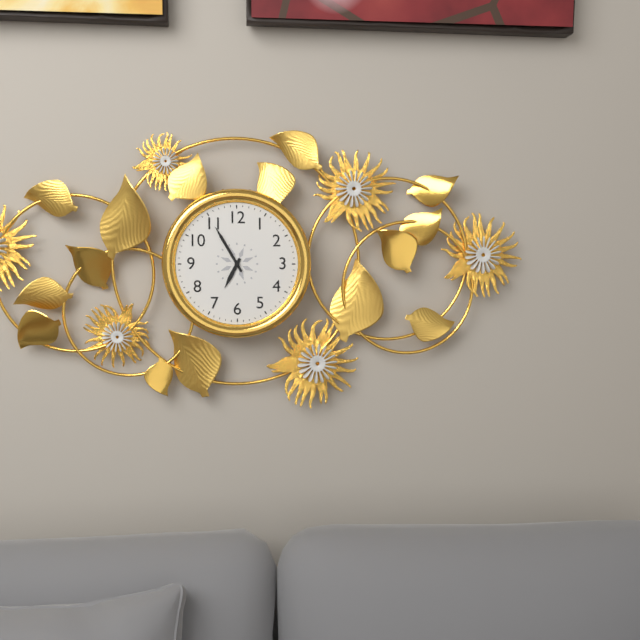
6:55
